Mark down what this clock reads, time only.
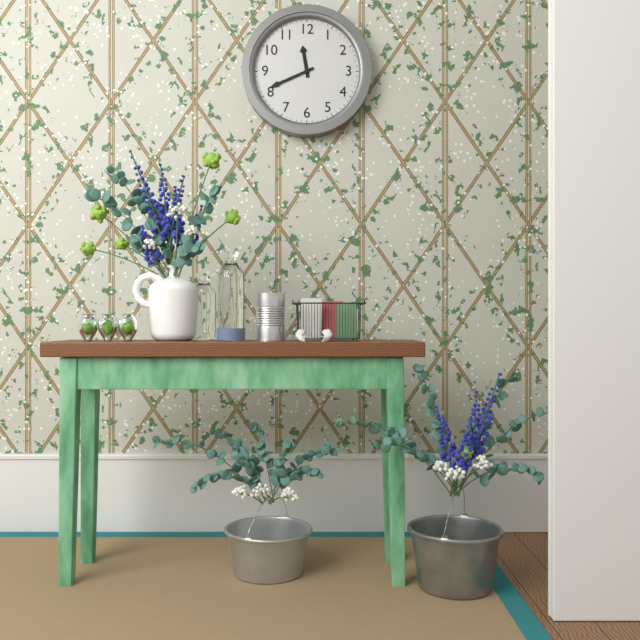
11:41
